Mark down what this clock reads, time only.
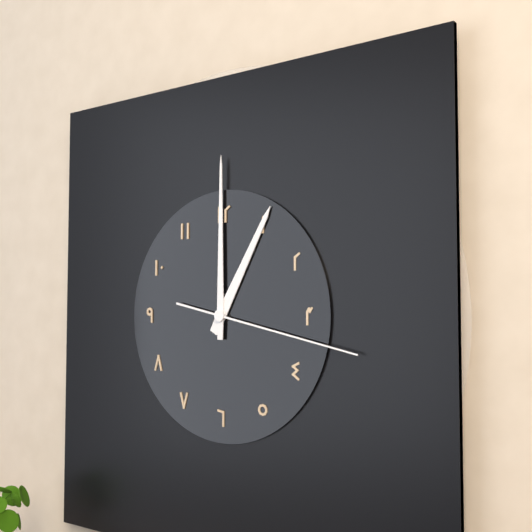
1:00:17
